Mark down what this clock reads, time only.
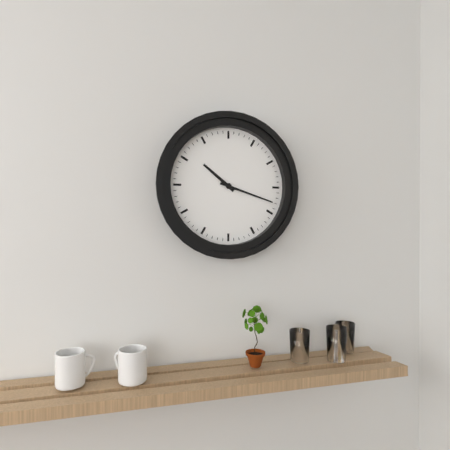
10:18
